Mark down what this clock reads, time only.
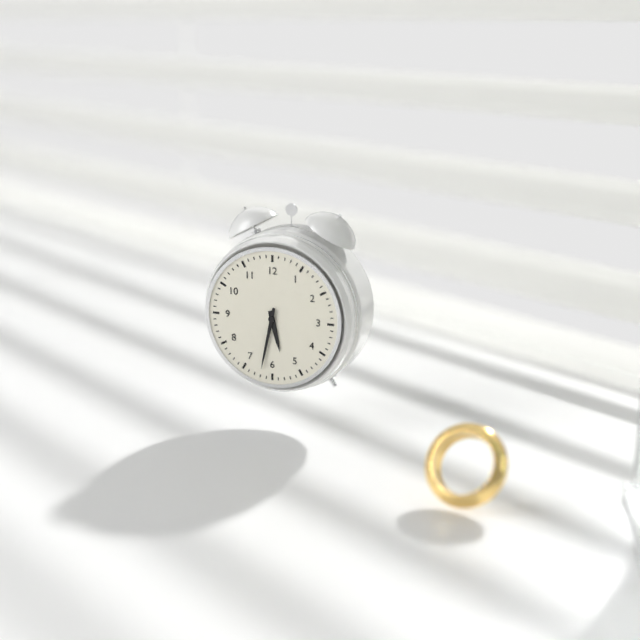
5:32
